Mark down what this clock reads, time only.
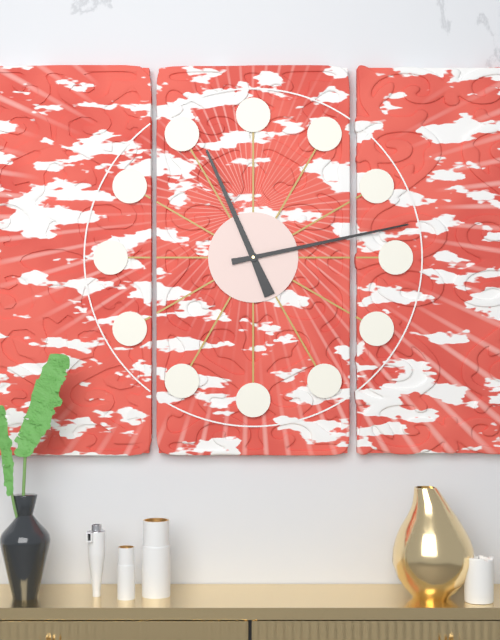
11:13
